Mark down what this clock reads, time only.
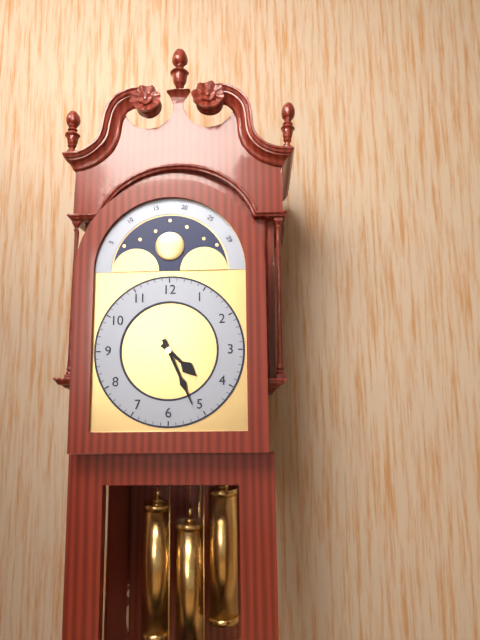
4:26
